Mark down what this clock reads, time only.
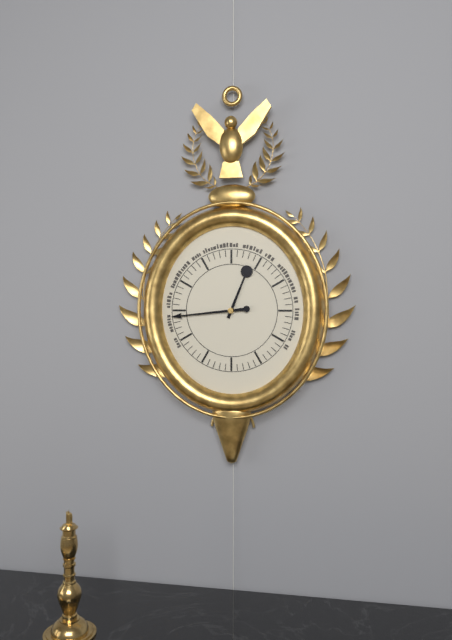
12:44
